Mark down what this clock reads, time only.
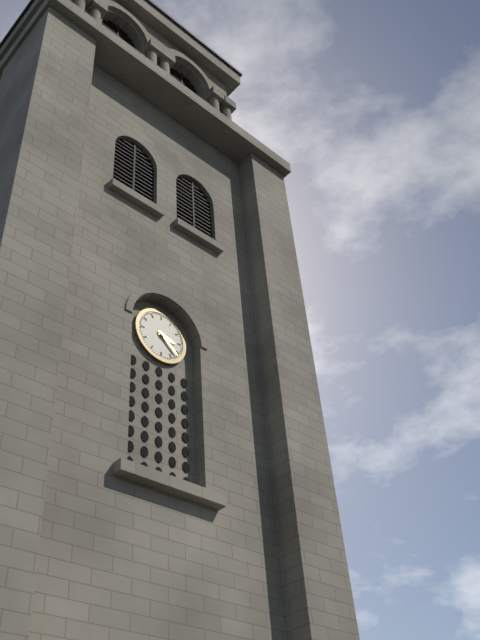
3:22
